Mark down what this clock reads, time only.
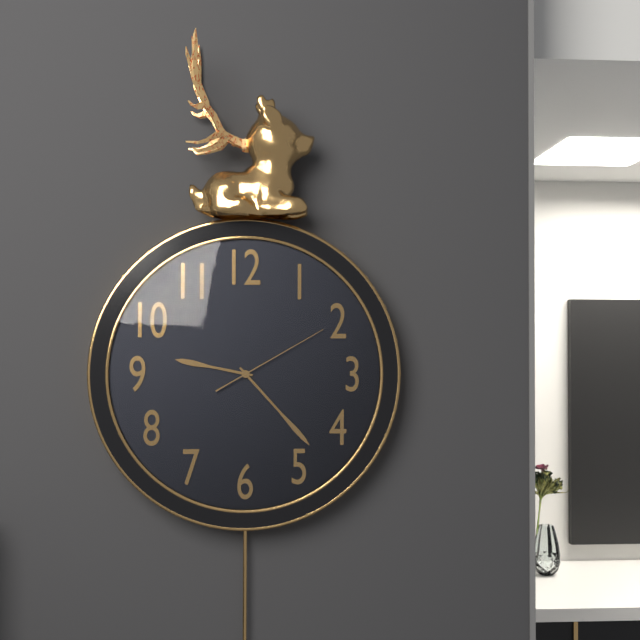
9:23:10
